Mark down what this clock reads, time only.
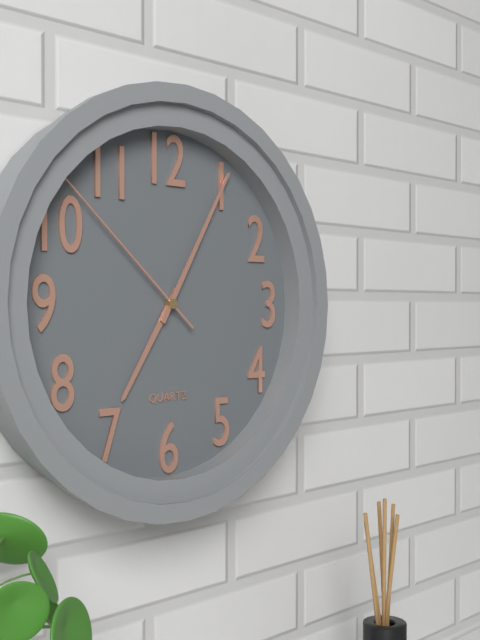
7:05:52
